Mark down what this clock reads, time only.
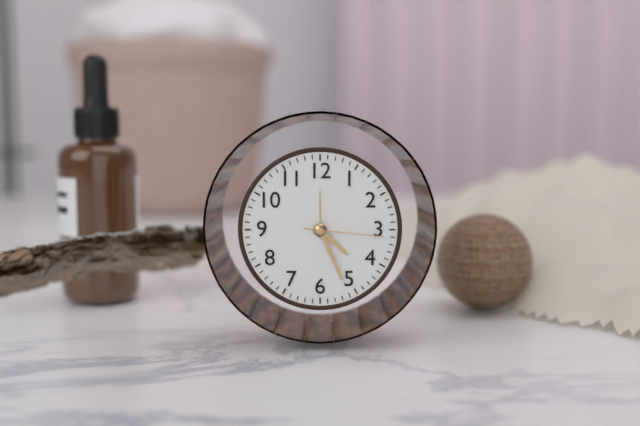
4:26:16
